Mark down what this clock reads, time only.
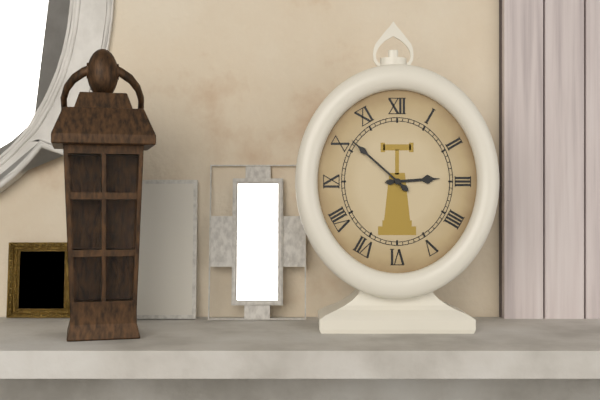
2:52
